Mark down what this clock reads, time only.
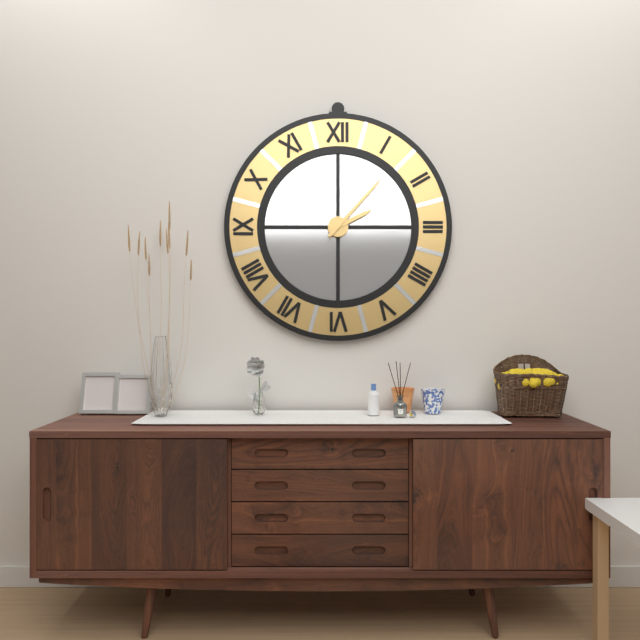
2:07
